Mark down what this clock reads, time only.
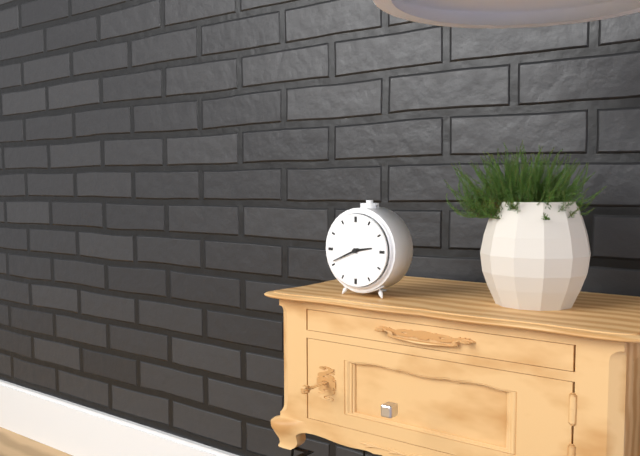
2:41
